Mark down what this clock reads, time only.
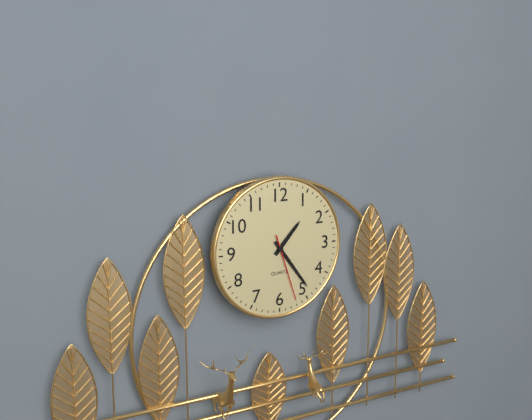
1:24:27
